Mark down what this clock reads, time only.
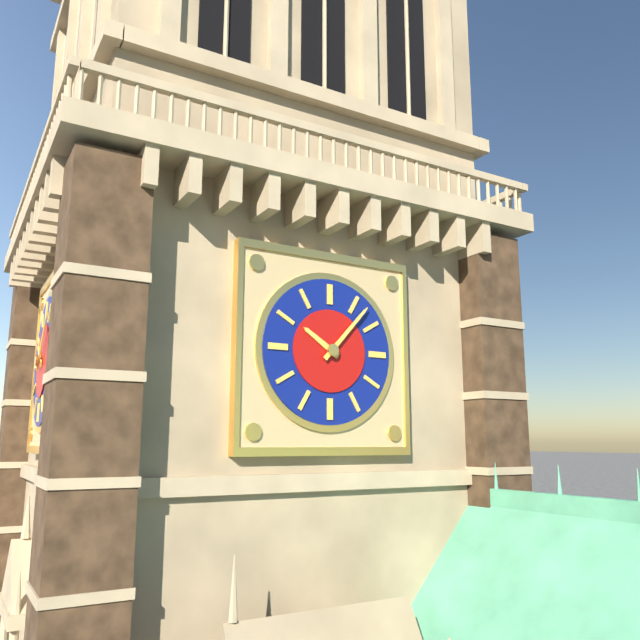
10:07
